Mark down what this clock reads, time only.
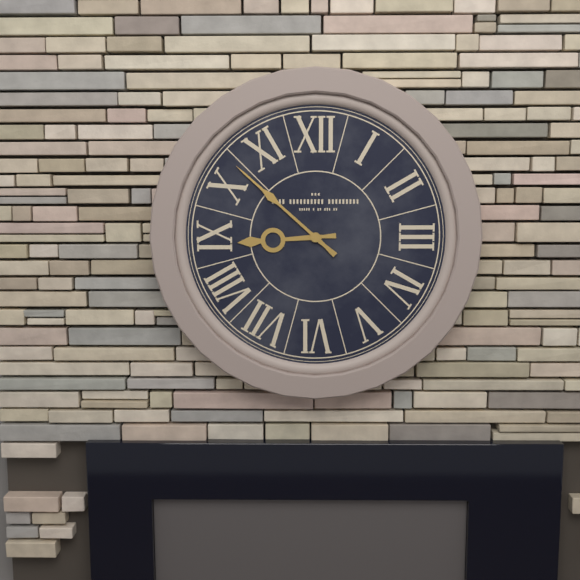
8:52
